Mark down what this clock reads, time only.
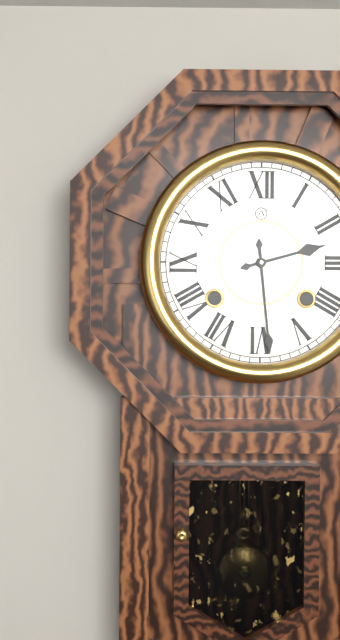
2:29
